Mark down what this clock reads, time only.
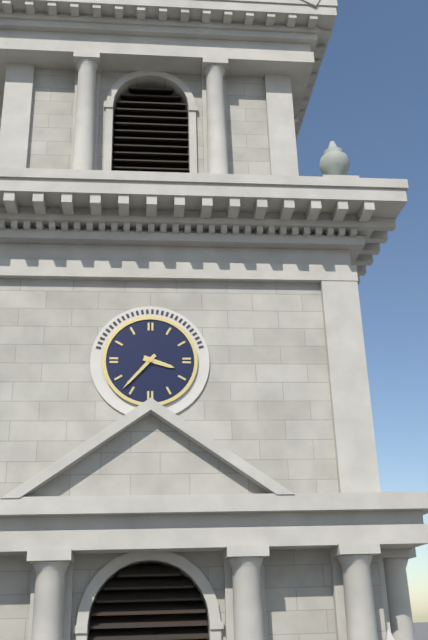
3:37
